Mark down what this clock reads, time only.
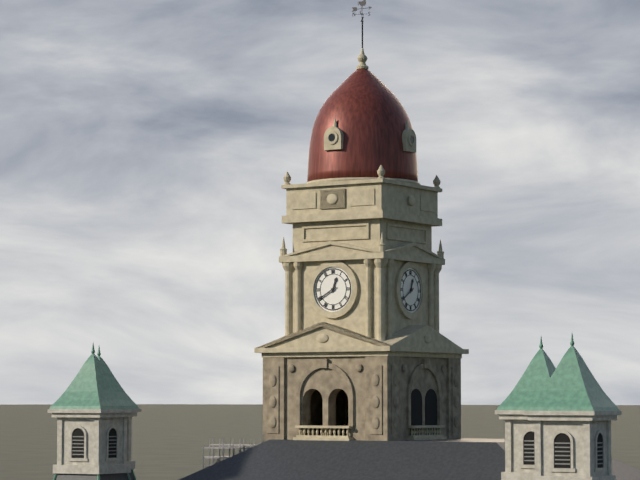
12:40
